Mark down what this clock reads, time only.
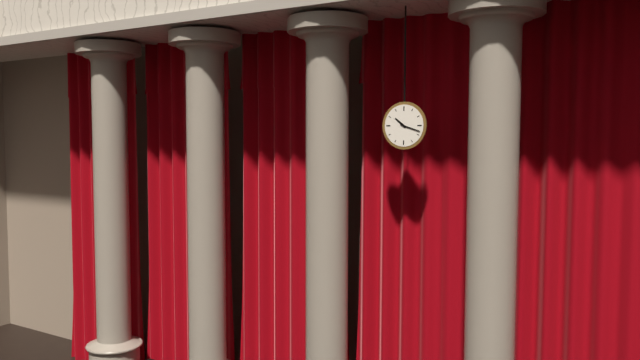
10:18
